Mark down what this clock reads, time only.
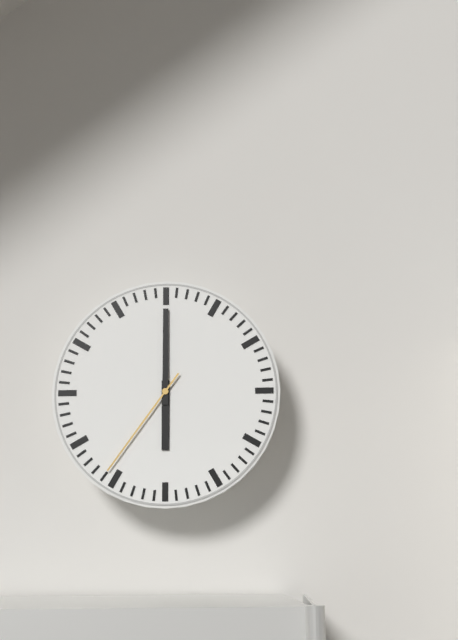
6:00:36
